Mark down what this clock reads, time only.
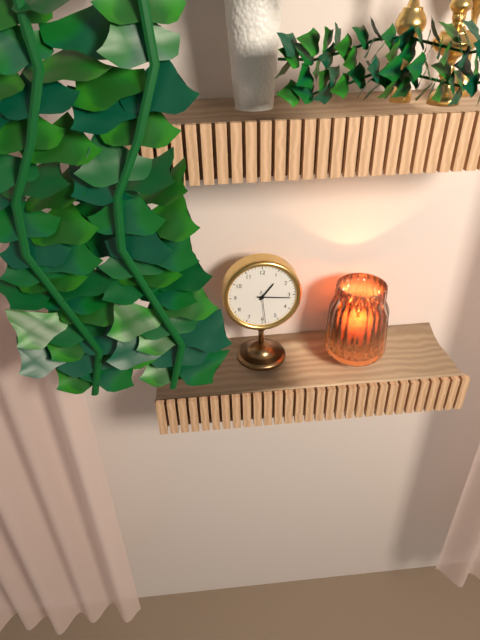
1:16
